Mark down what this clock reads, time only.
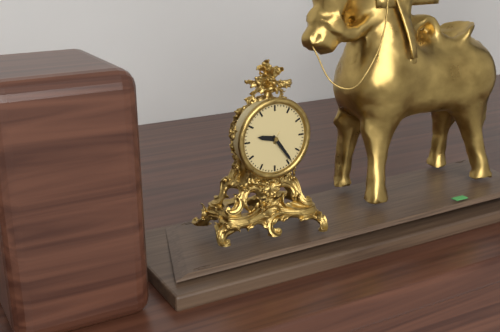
9:24
